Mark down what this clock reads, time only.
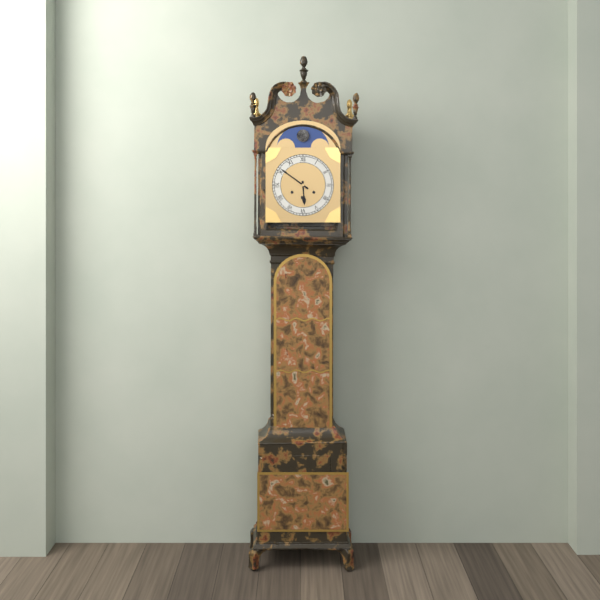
5:51
